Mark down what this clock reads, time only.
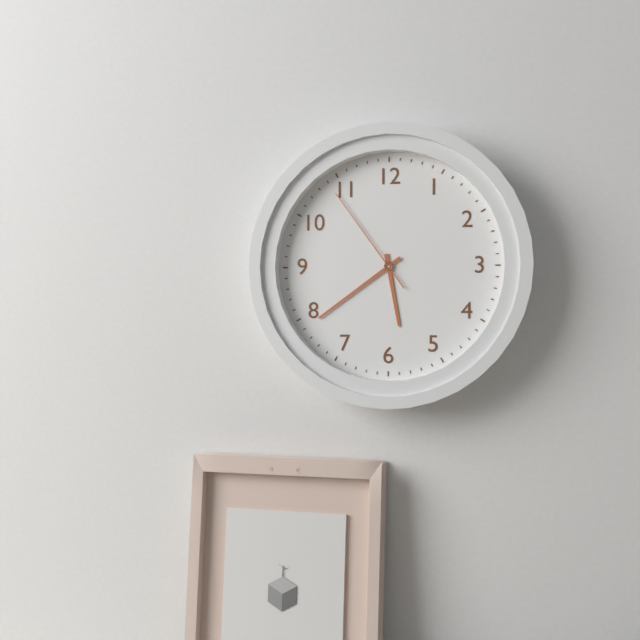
5:39:54
